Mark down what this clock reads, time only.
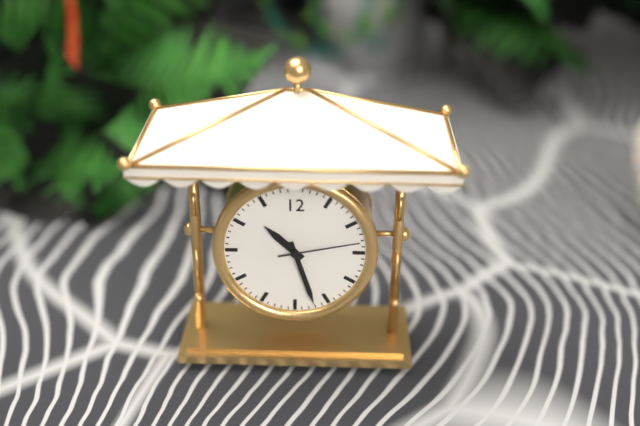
10:27:13
